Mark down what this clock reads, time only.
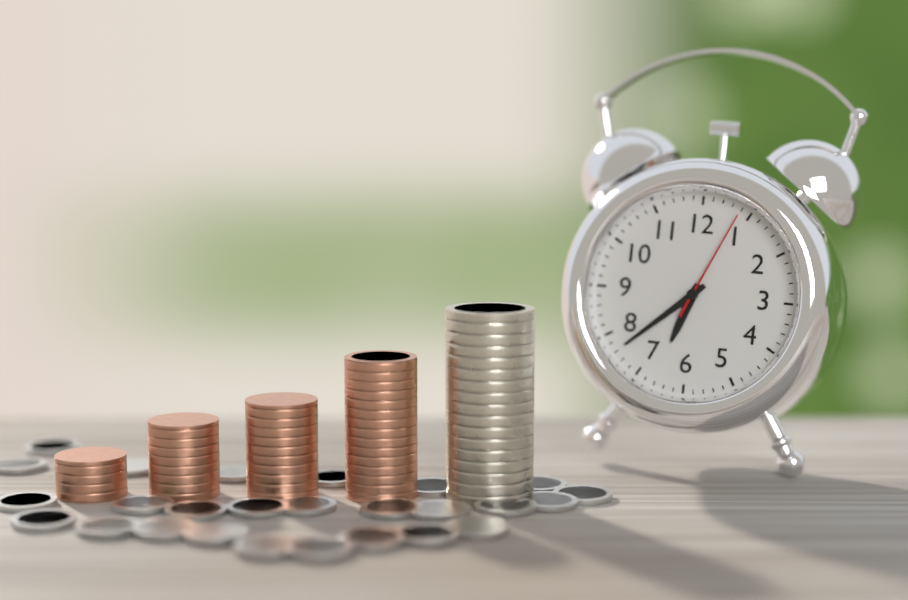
6:38:04
